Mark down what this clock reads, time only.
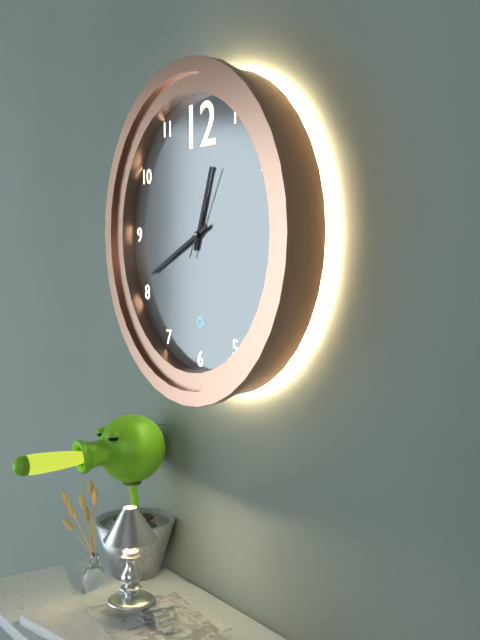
12:41:05
